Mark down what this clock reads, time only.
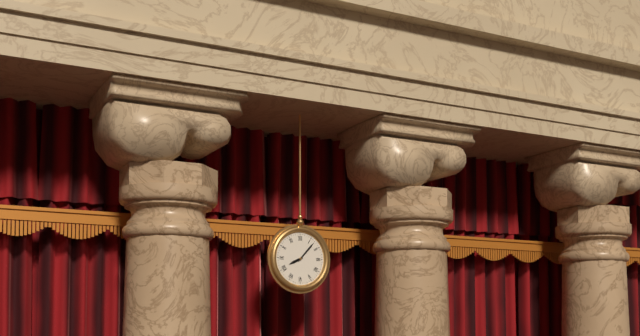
8:07
